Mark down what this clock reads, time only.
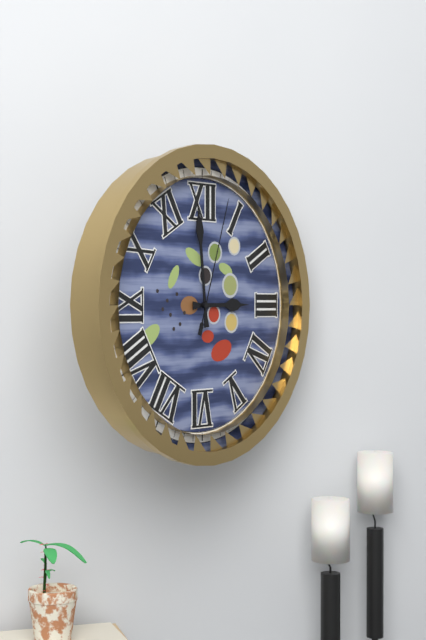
2:59:03
